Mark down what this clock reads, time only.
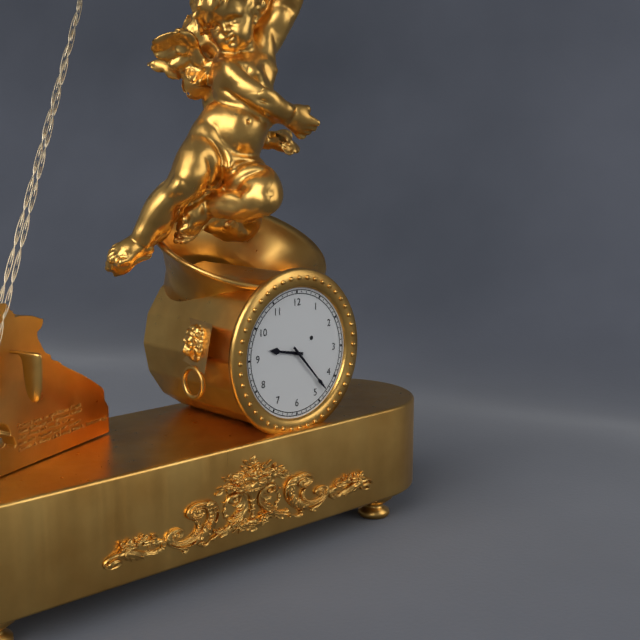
9:23
